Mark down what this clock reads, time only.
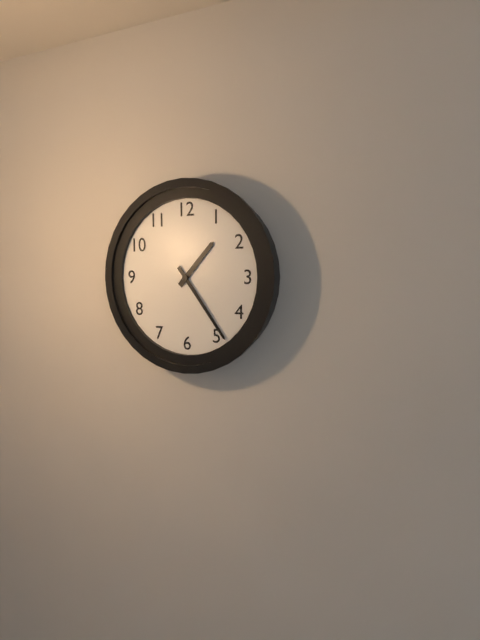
1:24
